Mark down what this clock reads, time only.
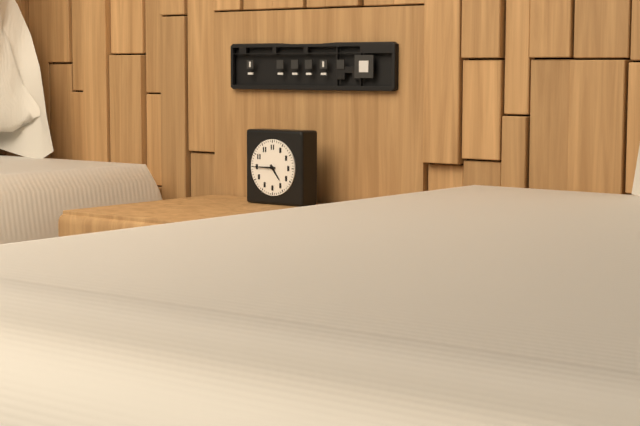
4:45
